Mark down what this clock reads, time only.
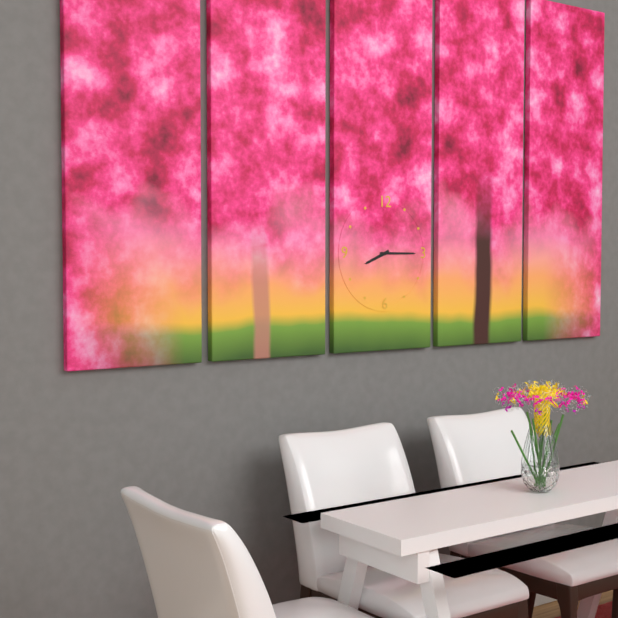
8:15
